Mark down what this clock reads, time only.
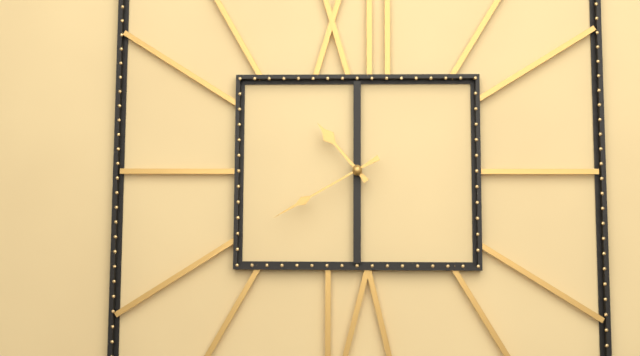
10:40
